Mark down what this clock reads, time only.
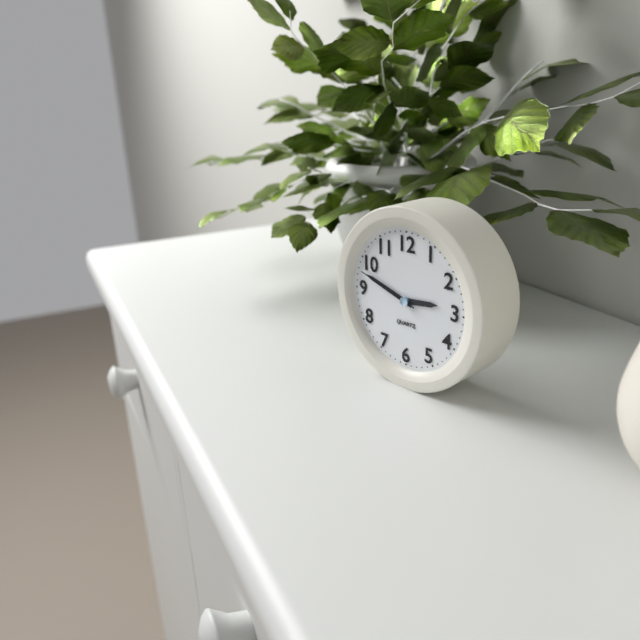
2:48:48
